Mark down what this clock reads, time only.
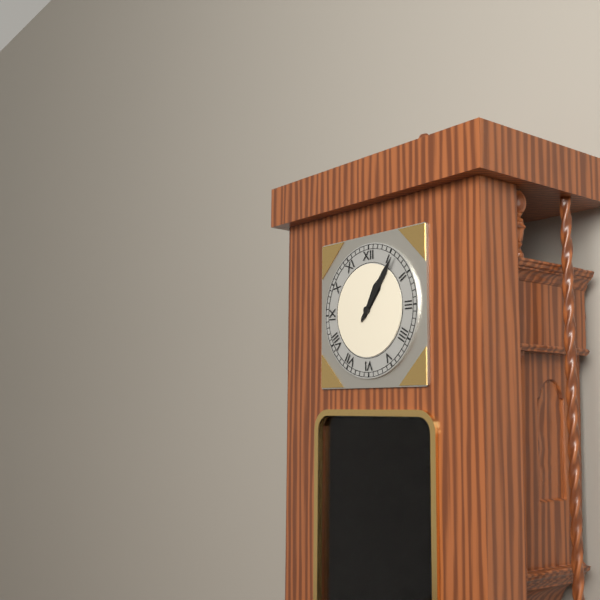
1:06
